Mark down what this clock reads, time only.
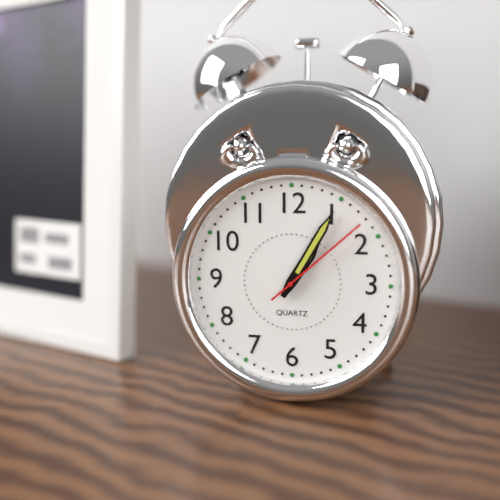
1:05:08
